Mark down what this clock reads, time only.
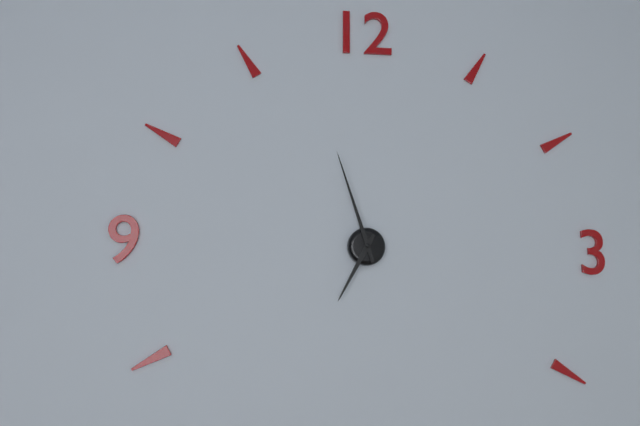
6:57
